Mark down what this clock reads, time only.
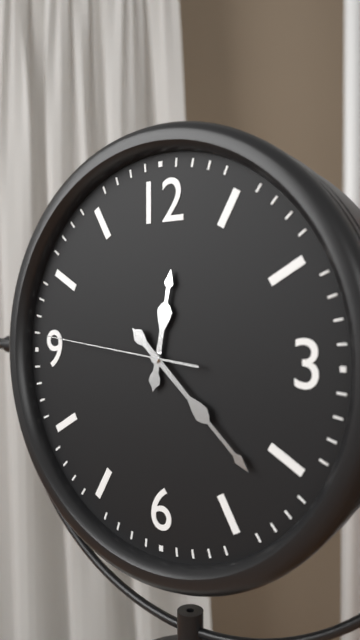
12:22:46
